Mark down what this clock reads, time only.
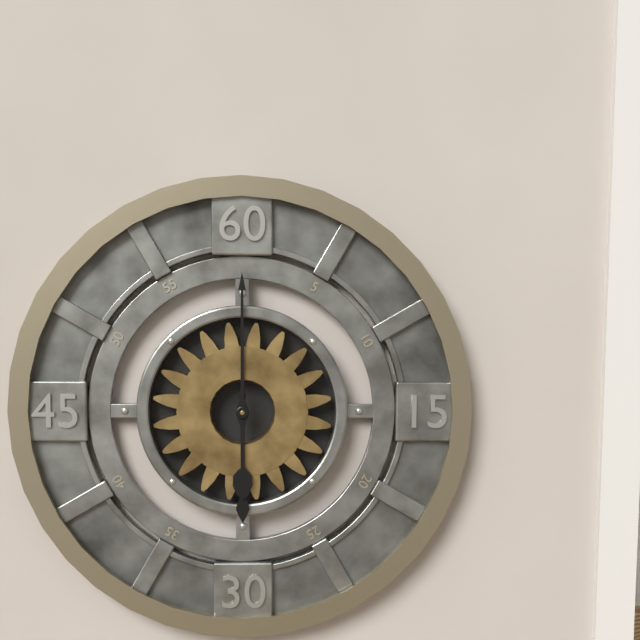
6:00
